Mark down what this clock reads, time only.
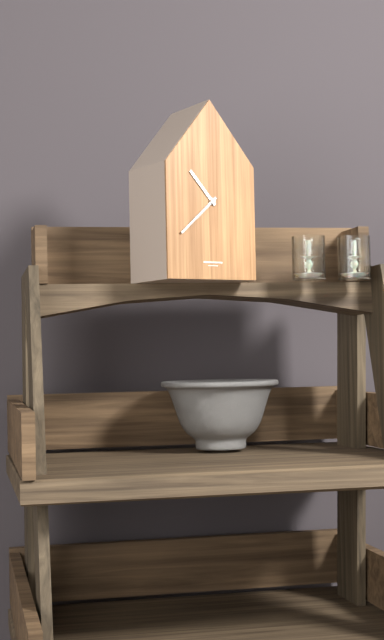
10:38
